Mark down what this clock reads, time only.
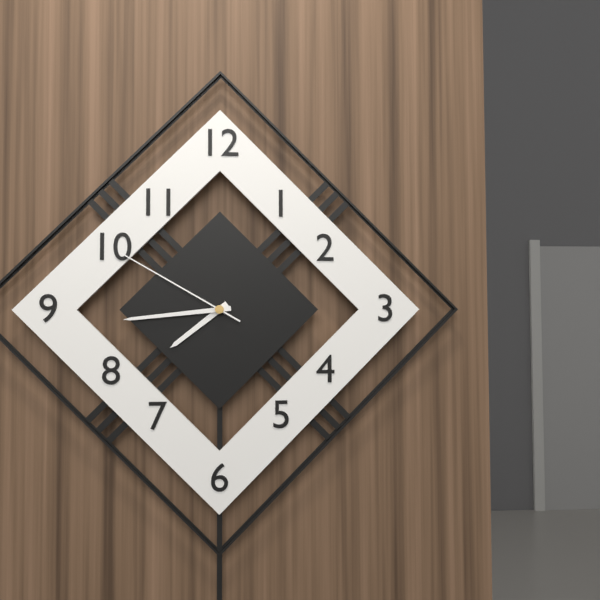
7:44:50
